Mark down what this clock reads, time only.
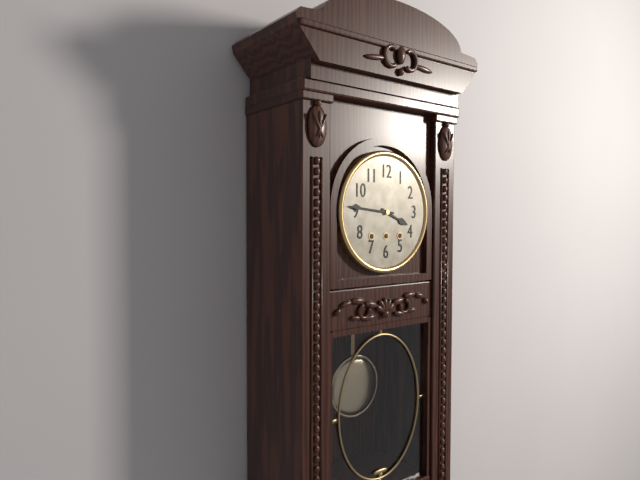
3:46
